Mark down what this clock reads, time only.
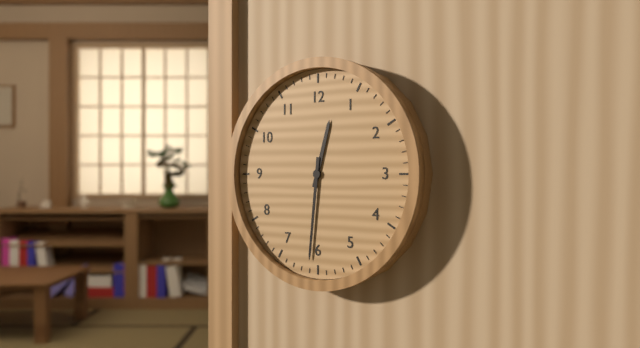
12:31
